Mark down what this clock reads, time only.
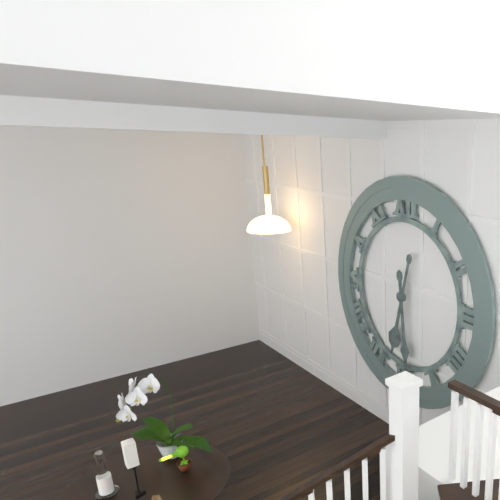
6:29
